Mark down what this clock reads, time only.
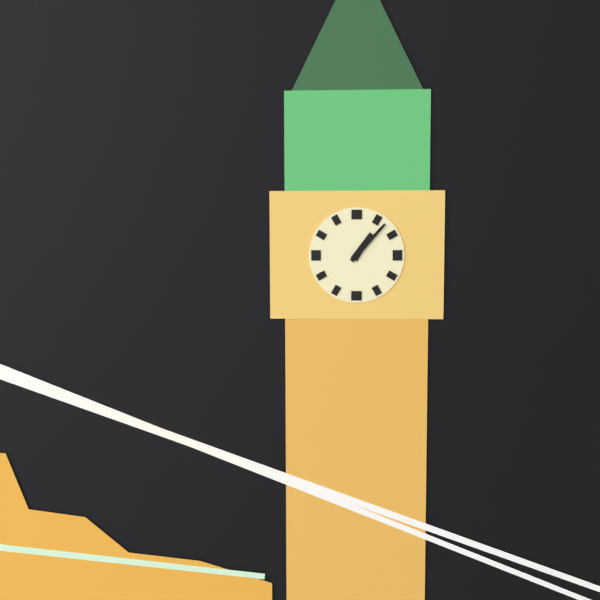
1:07
